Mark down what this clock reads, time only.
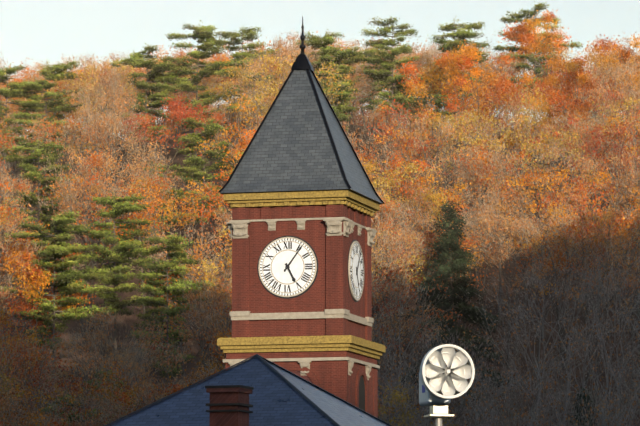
5:06
